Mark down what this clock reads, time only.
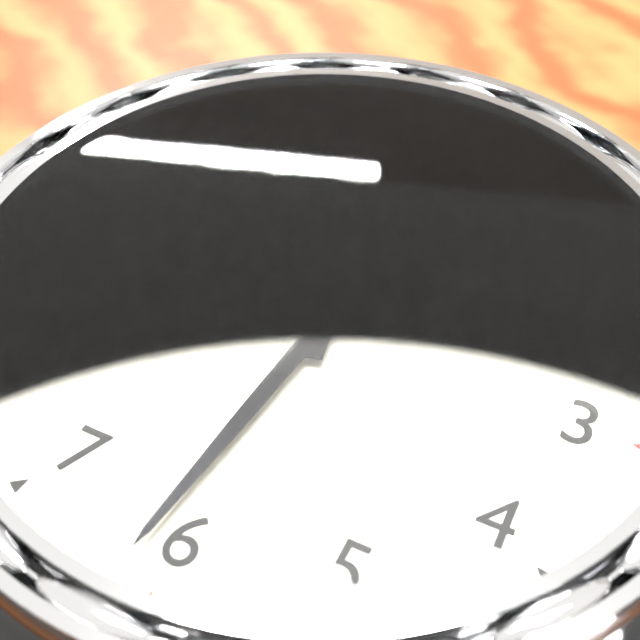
11:31
